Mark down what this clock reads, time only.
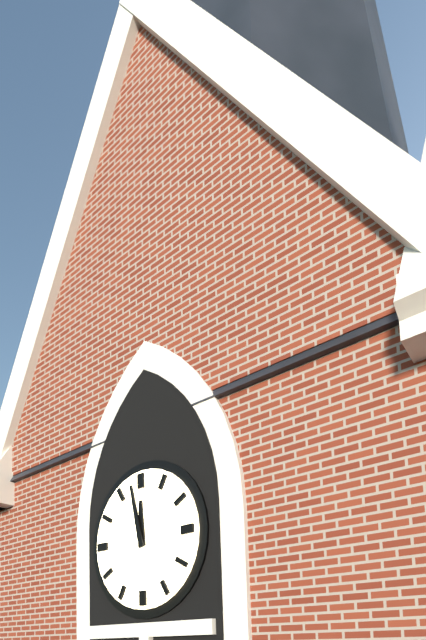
11:58
